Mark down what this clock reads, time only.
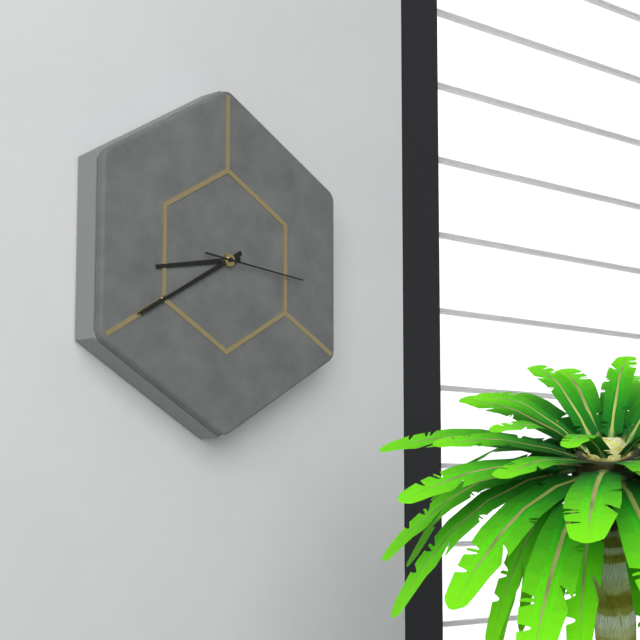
8:40:16
